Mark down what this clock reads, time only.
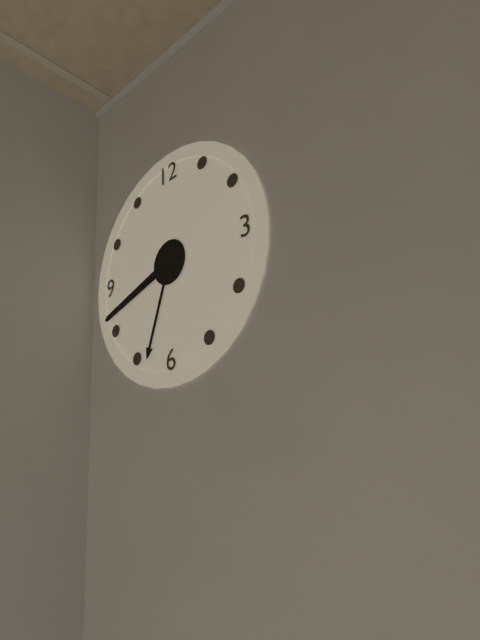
6:42
